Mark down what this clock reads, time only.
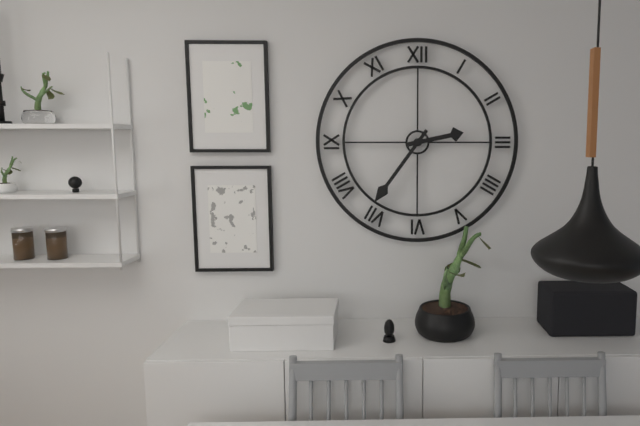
2:36
